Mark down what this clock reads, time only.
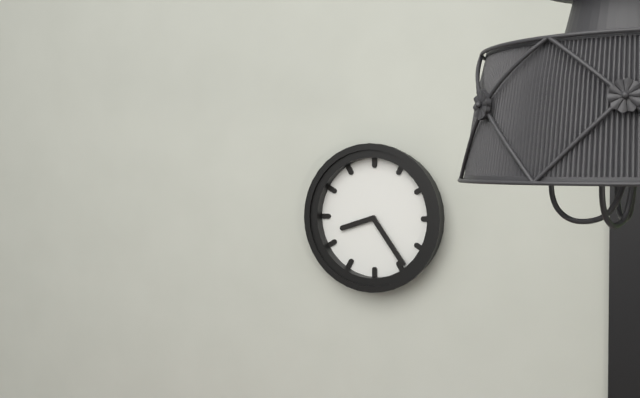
8:24
